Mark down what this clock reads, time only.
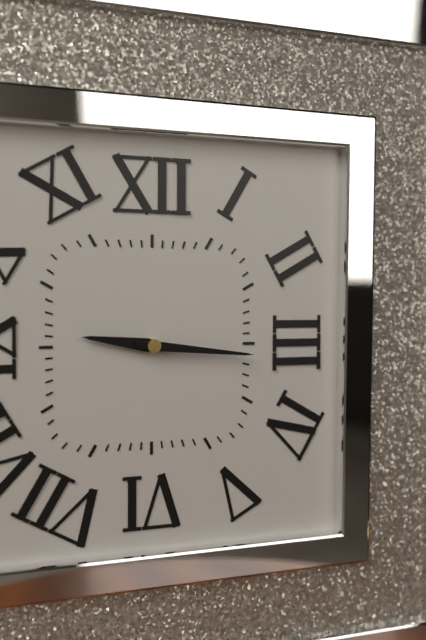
9:16
